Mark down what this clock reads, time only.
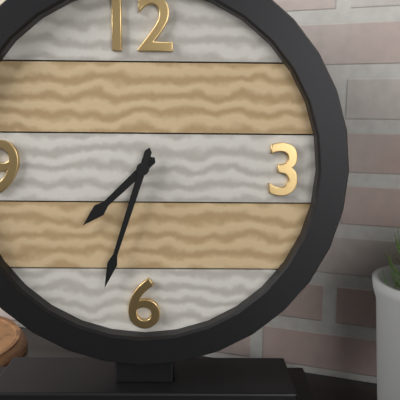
7:33
